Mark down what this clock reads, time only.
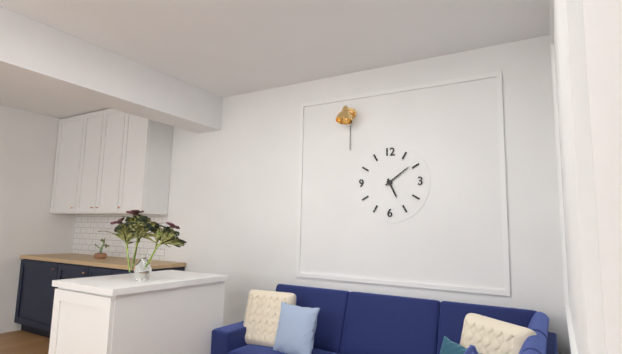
5:09
